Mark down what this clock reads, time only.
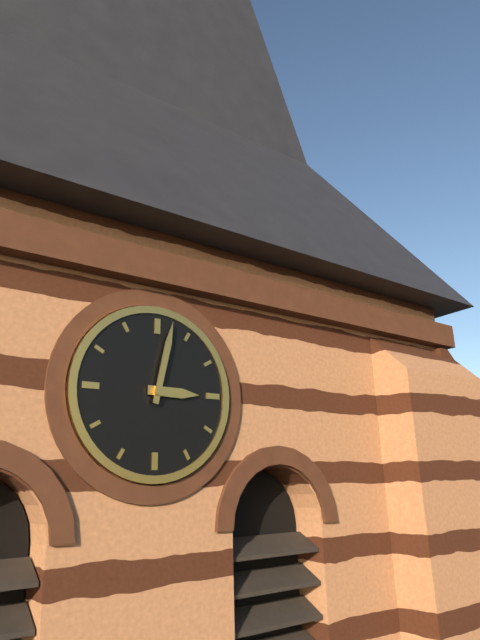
3:02
